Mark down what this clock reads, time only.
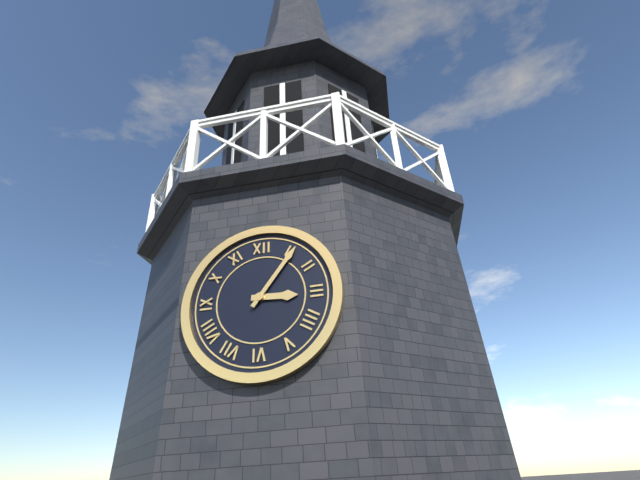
3:06
